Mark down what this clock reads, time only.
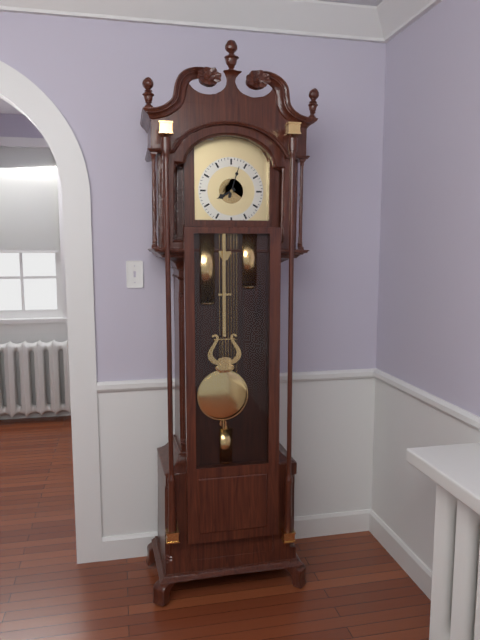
8:03
